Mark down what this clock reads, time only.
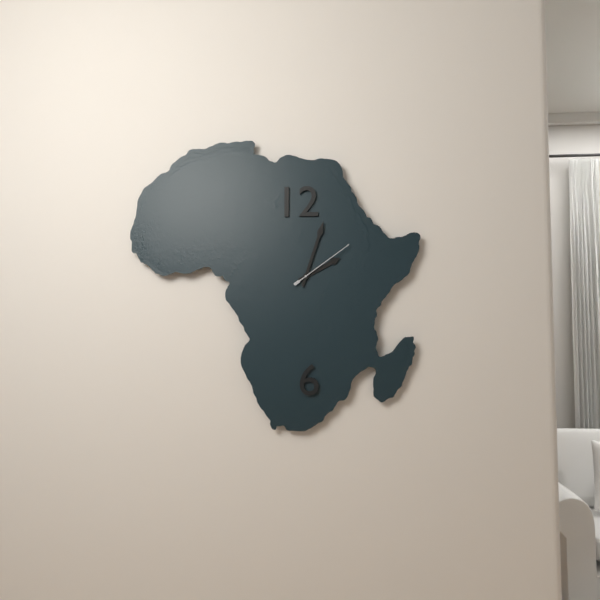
2:03:09
